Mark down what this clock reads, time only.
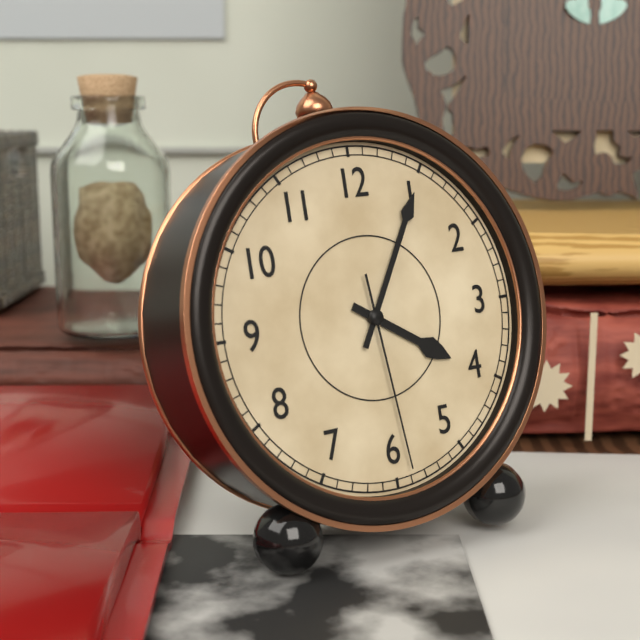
4:05:29
